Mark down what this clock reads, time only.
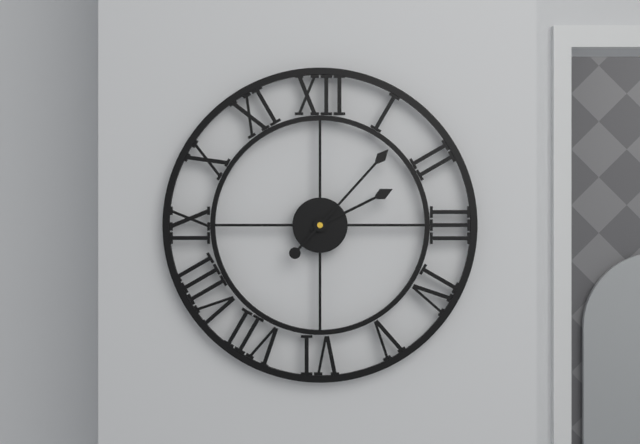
2:07
